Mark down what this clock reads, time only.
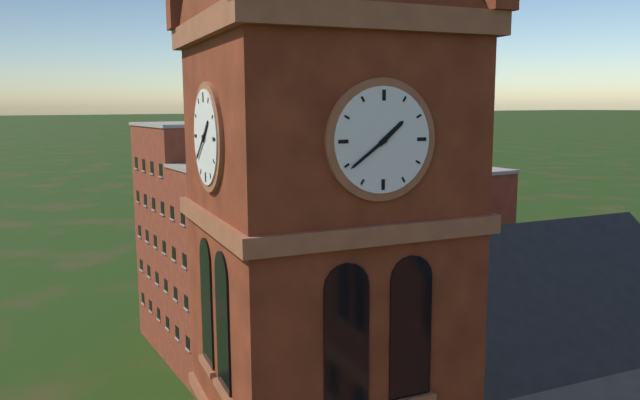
1:39
